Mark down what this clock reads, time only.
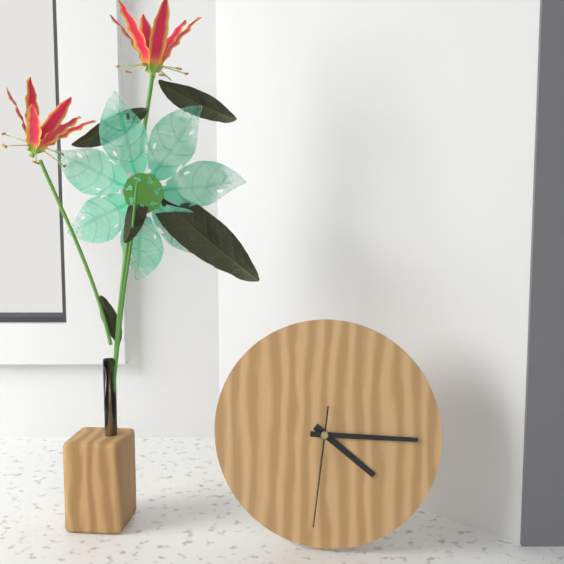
4:15:31
